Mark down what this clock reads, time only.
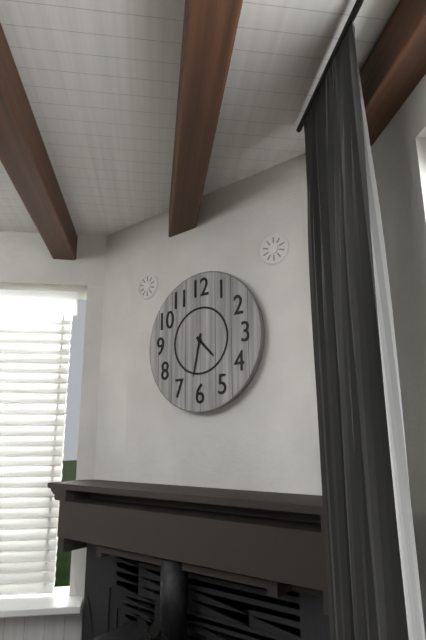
4:32
